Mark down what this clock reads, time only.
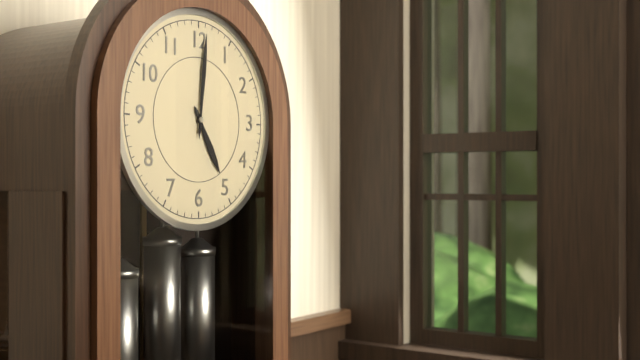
5:01
